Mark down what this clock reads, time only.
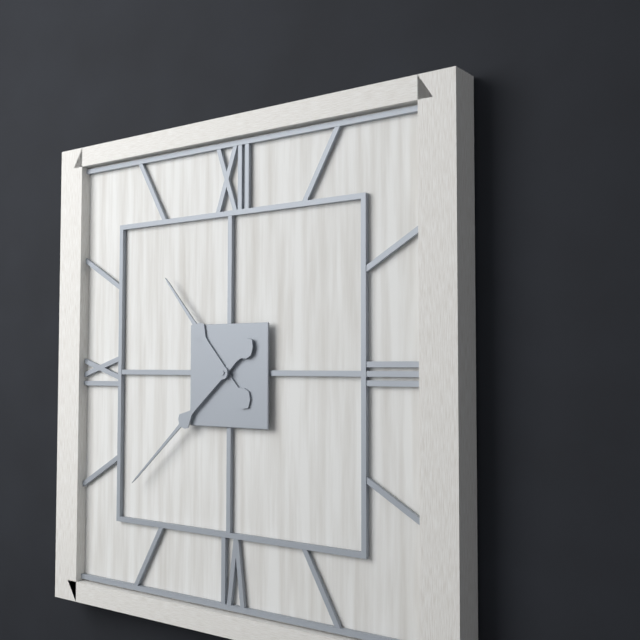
10:38
